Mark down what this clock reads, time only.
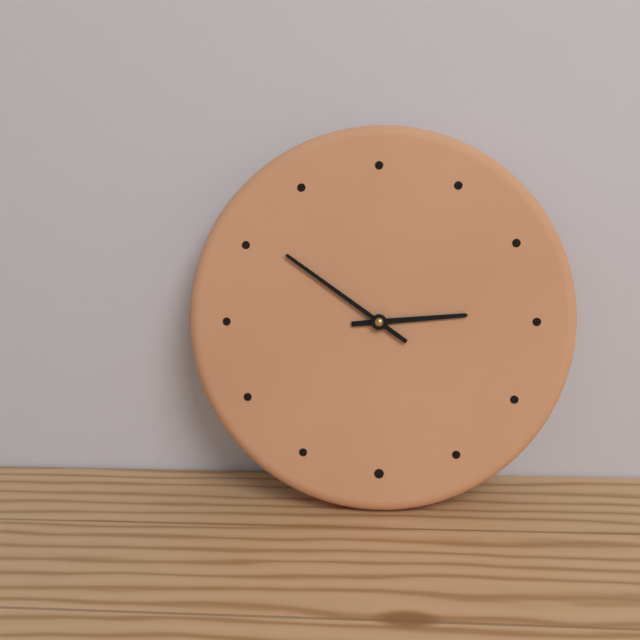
2:51
